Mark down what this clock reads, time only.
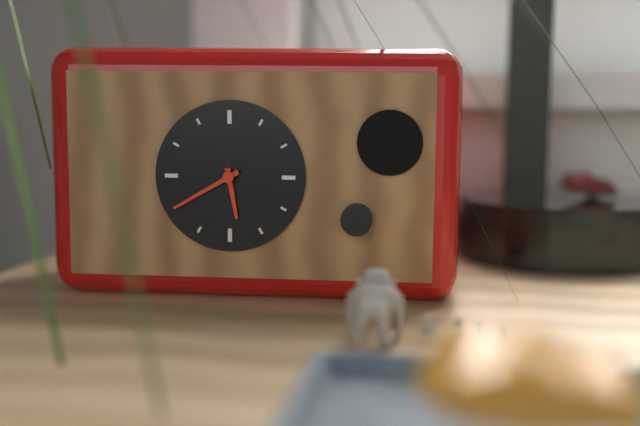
5:40
